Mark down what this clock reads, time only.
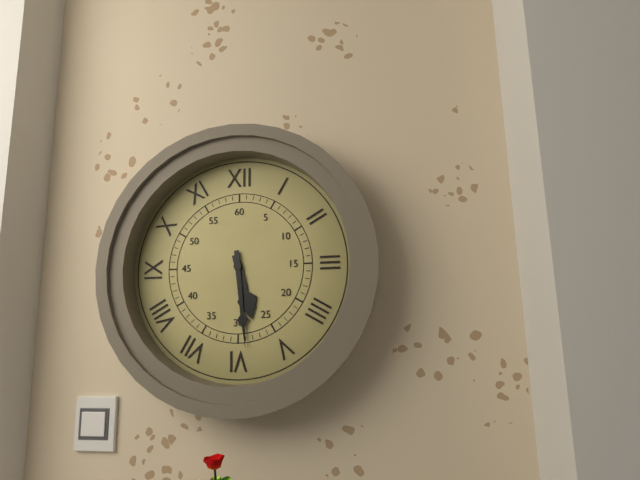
5:29
